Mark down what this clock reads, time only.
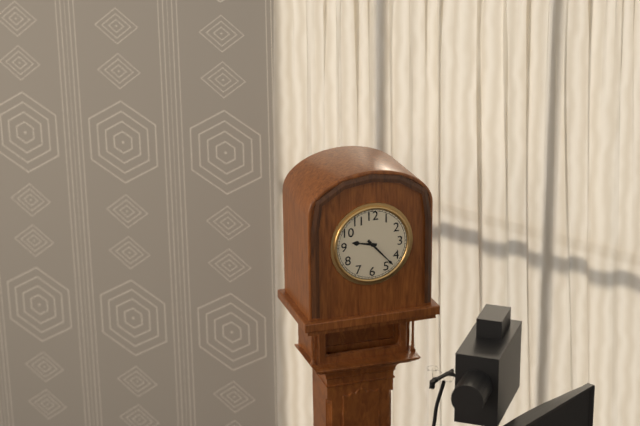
9:23
